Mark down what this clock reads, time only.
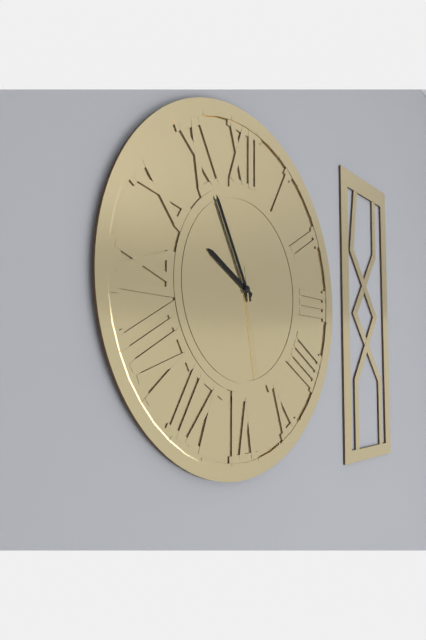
9:55:28
